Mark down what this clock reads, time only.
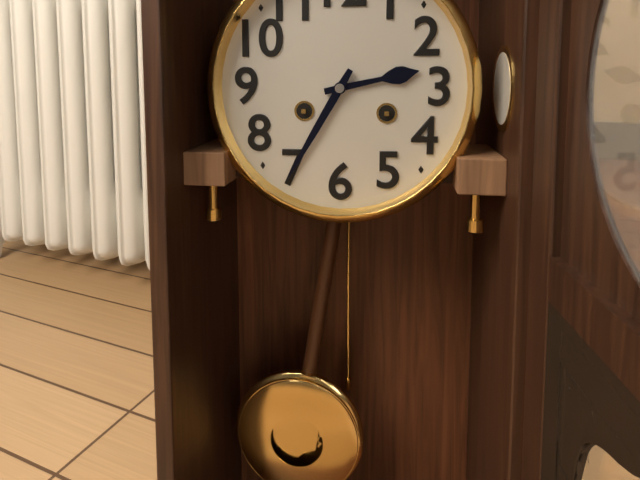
2:35
